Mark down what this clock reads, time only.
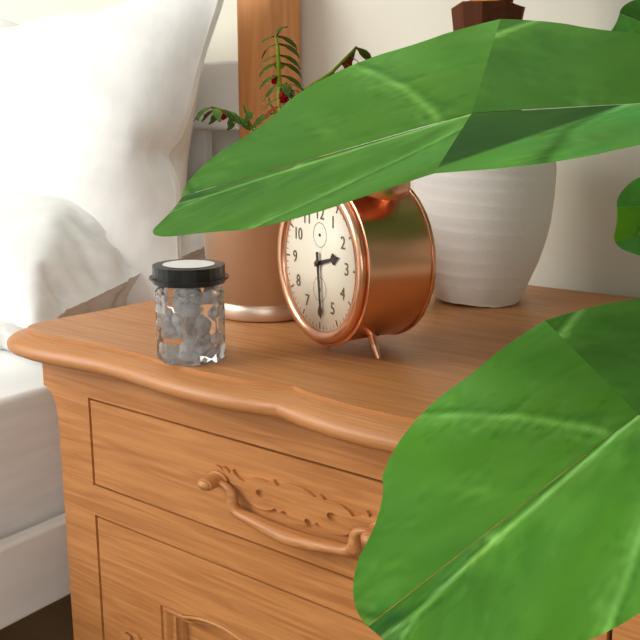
2:29
